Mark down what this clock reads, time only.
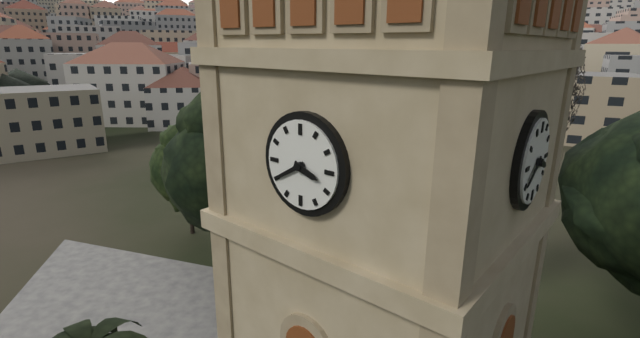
3:40
